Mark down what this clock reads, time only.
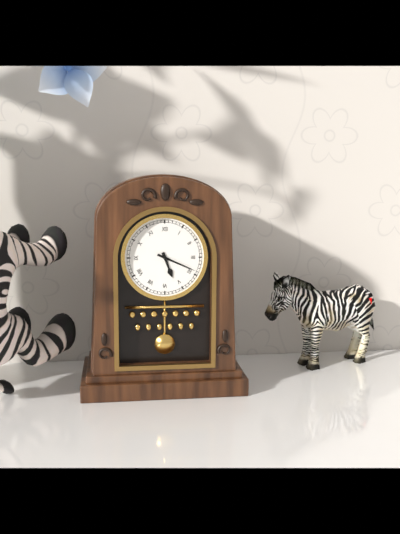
5:19
